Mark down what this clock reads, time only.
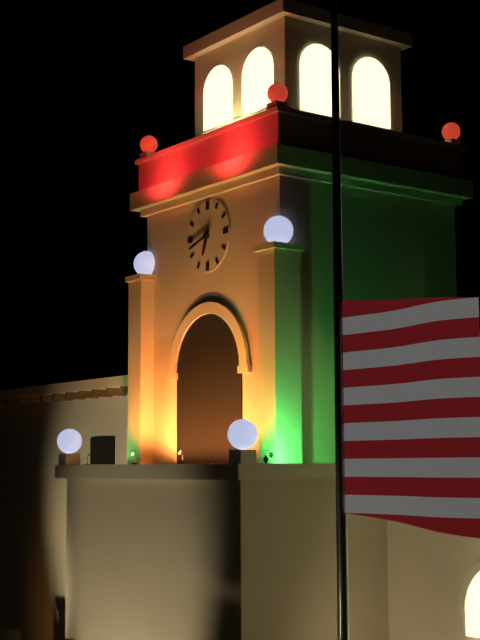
6:42
